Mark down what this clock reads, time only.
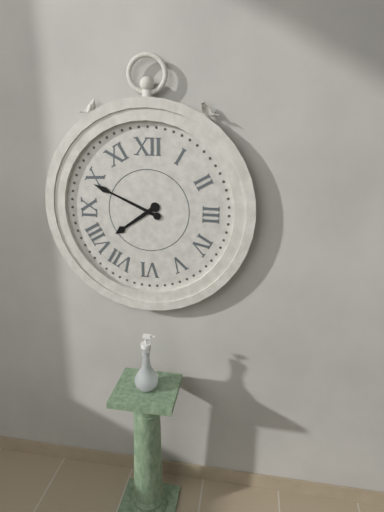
7:49
